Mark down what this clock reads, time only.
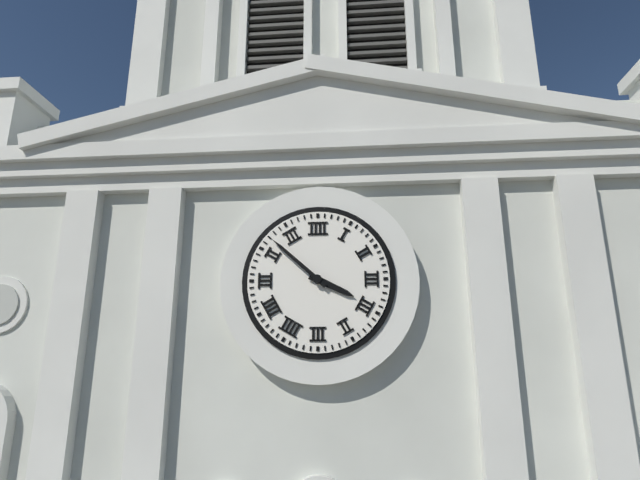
3:52
